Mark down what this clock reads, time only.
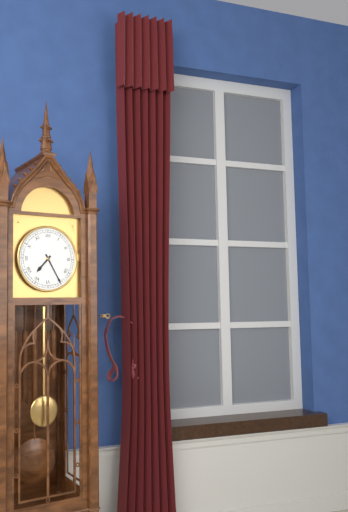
7:25
